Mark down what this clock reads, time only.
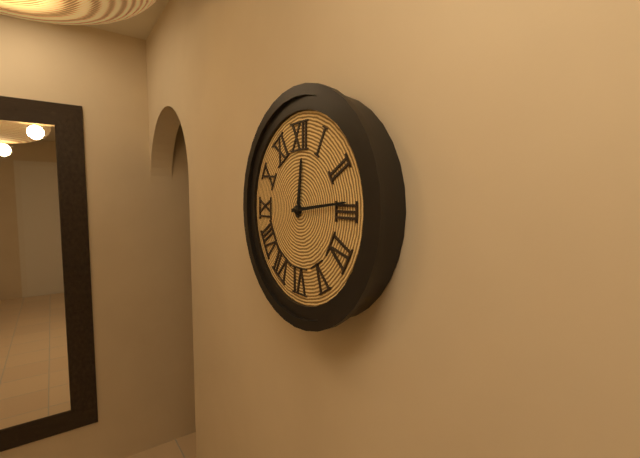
12:14
